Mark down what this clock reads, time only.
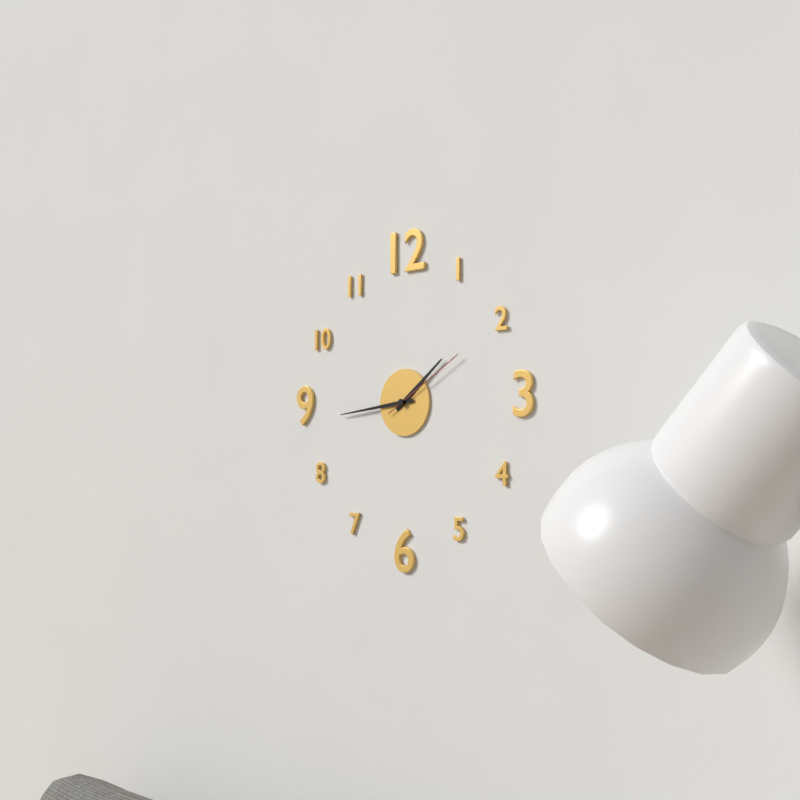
1:44:10
